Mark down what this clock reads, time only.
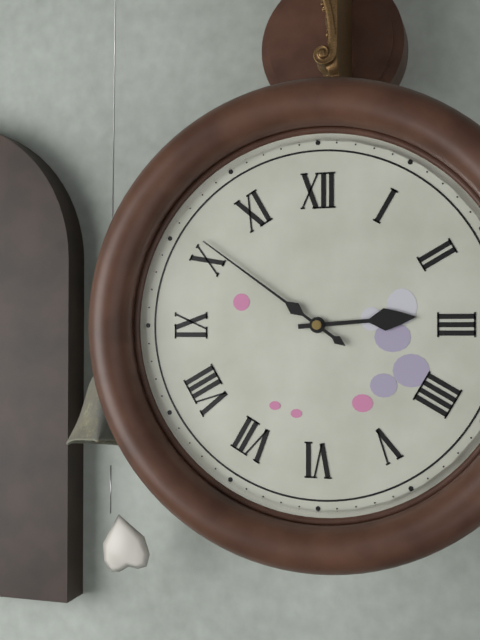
2:51
